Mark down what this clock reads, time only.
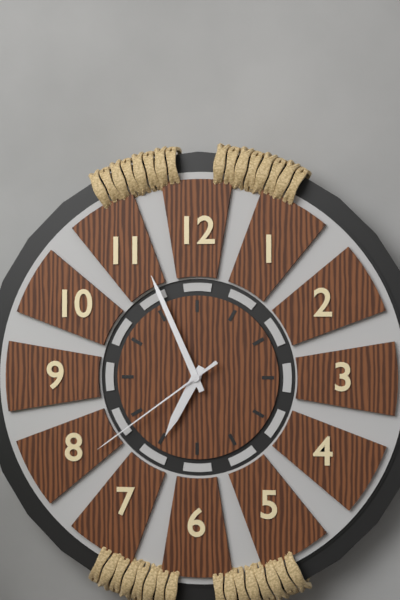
6:56:39
